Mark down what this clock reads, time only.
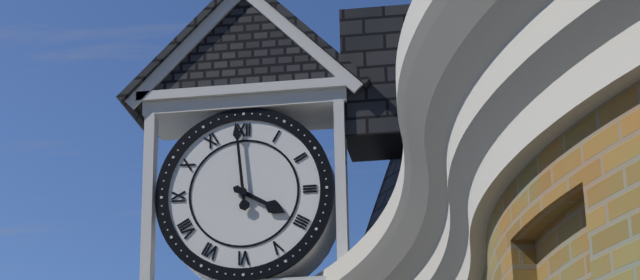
3:59
